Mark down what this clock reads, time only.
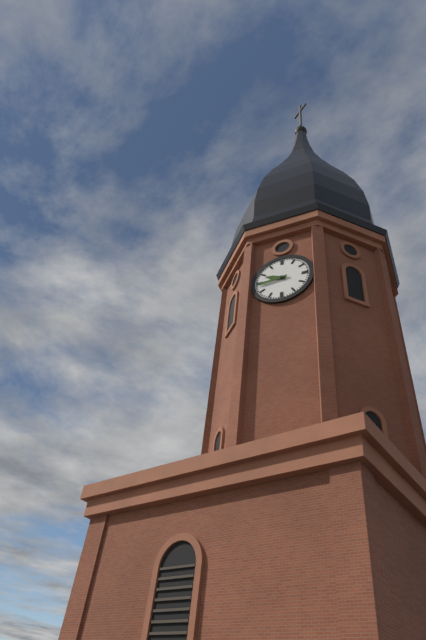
9:44
